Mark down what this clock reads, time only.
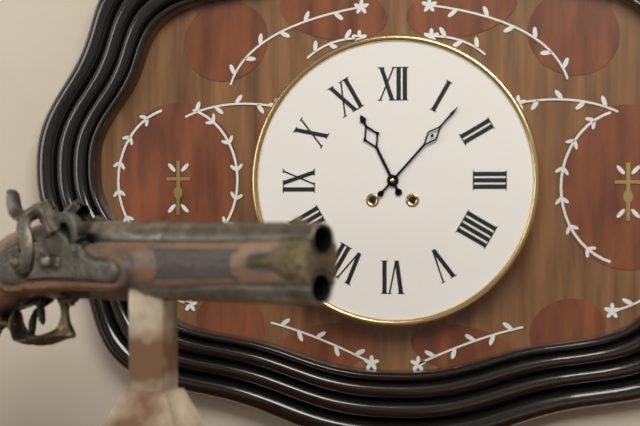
11:07
